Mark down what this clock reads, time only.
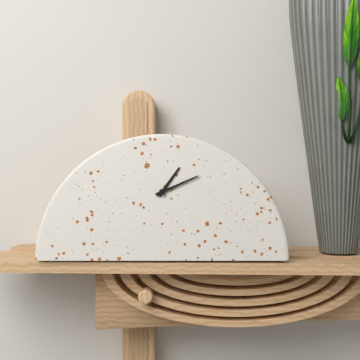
1:11
